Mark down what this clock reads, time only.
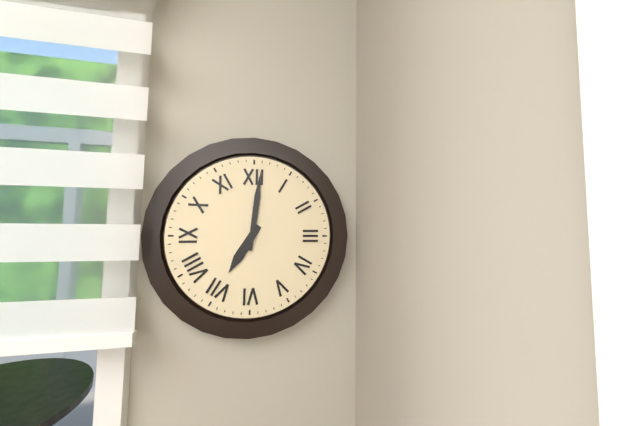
7:01
